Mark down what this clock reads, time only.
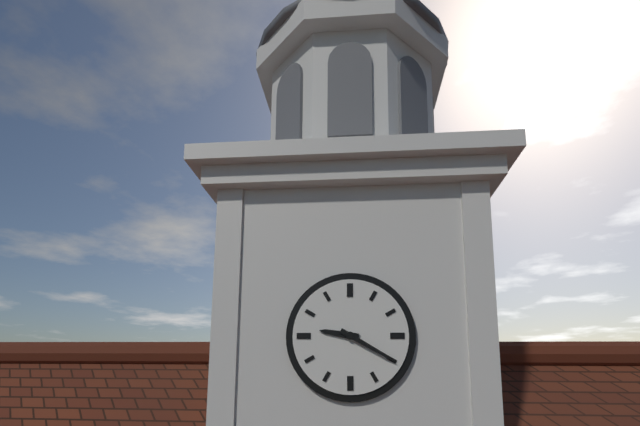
9:20
